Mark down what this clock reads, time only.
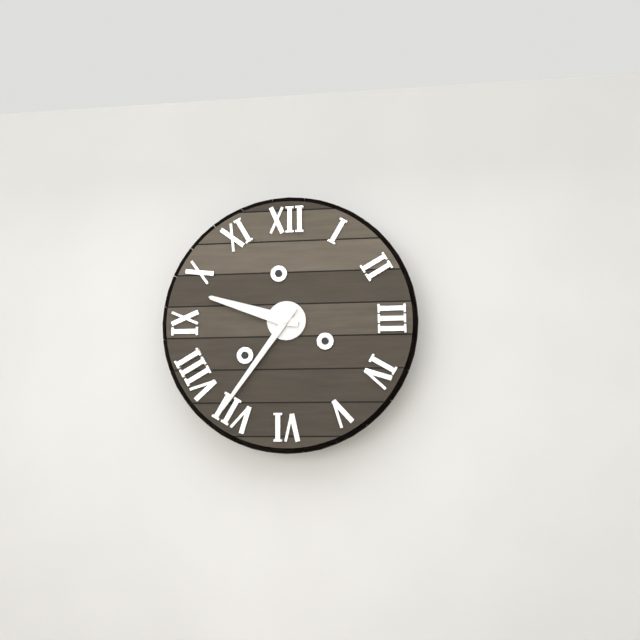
9:36
